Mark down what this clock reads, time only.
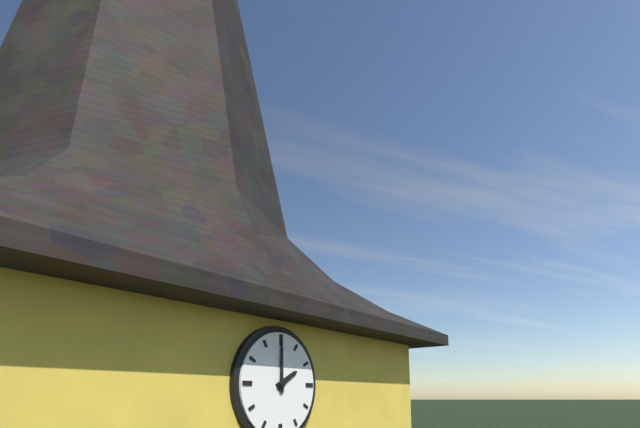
2:00
